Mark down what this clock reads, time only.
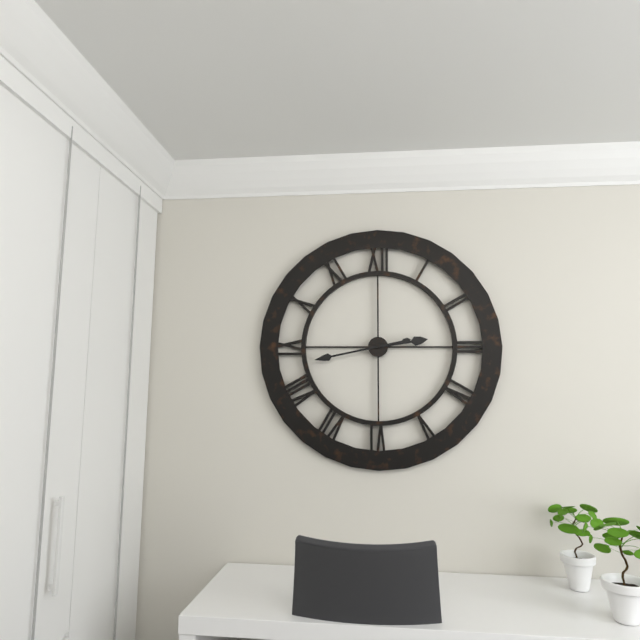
2:43
